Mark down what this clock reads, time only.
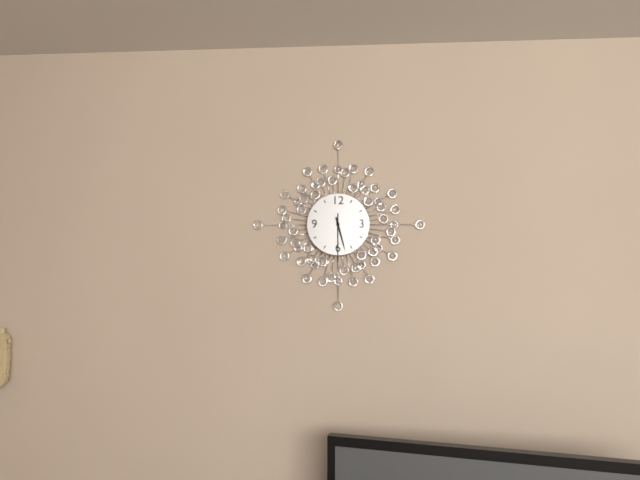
5:30
